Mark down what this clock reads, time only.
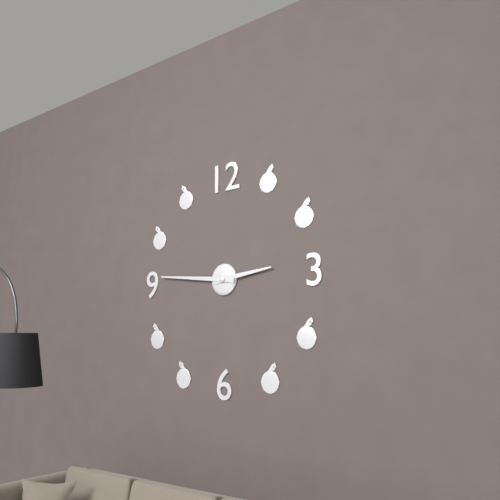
2:46
